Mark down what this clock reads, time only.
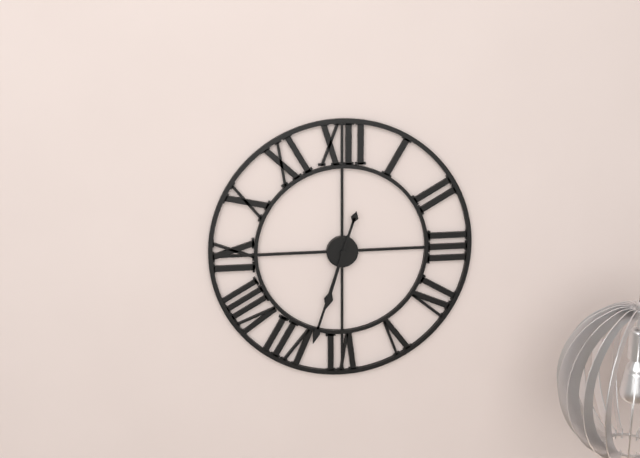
6:33
